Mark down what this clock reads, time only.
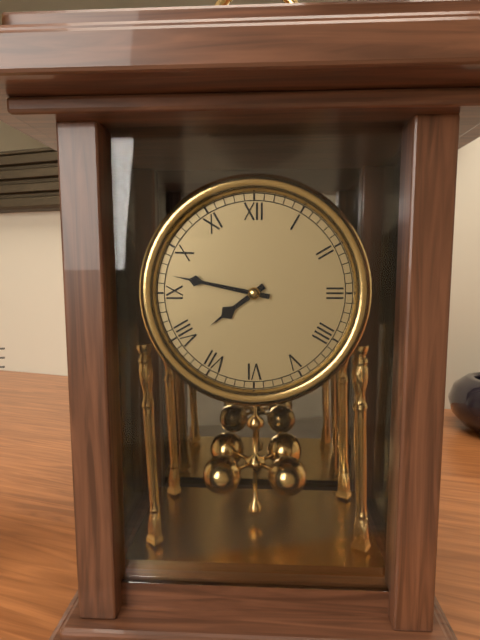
7:47
